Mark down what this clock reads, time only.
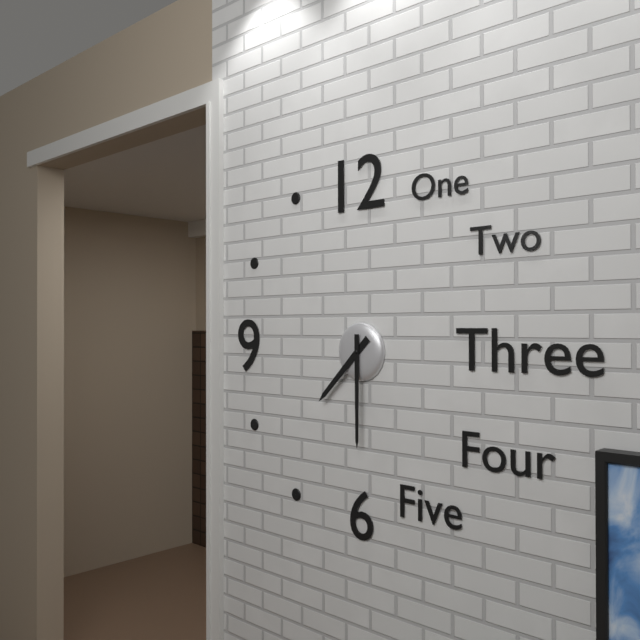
7:30
